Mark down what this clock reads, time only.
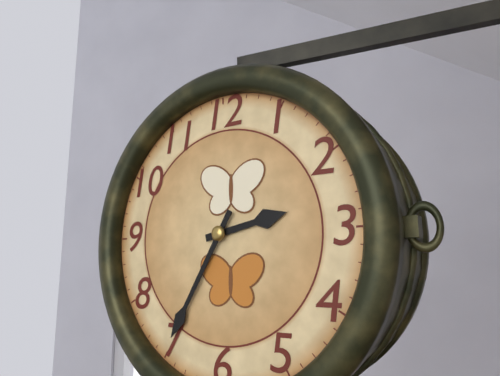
2:35
